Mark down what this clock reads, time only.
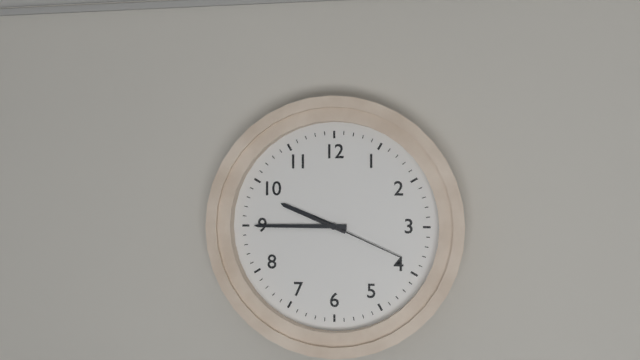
9:45:19
